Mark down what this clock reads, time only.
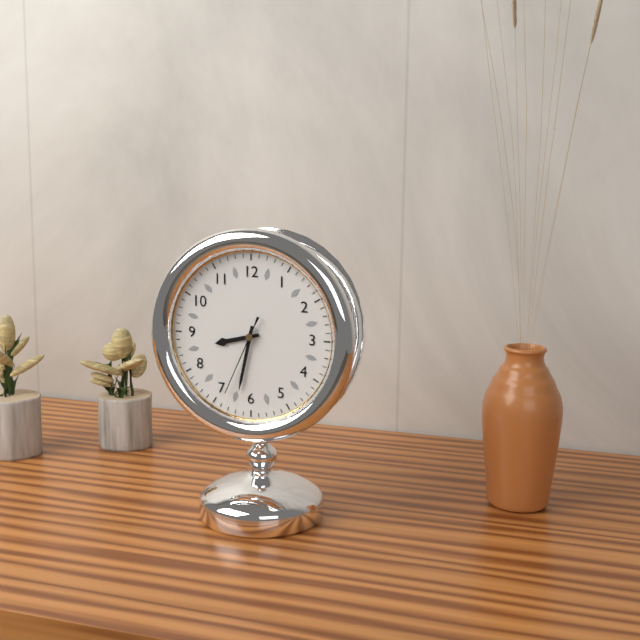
8:32:34
